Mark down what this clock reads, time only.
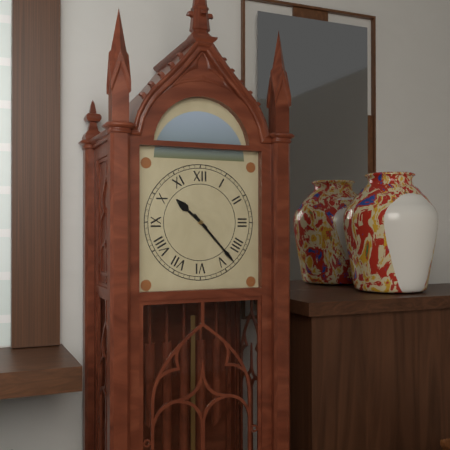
10:23
